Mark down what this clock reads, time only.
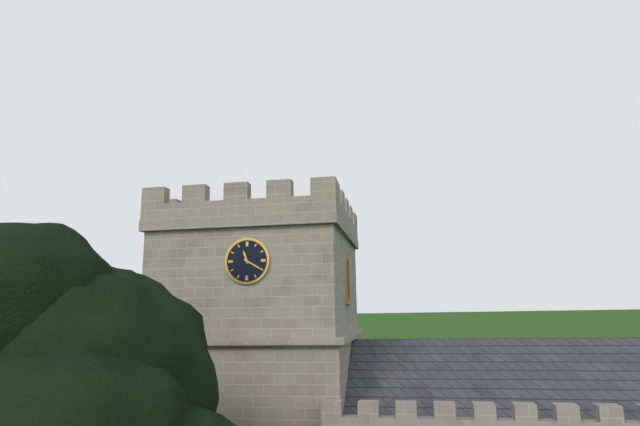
11:20
